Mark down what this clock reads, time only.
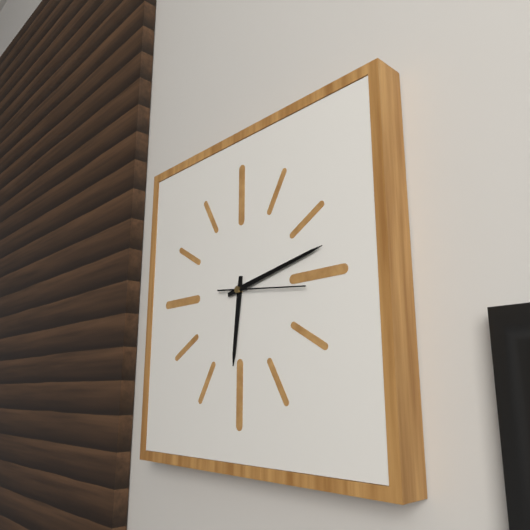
6:13:16
